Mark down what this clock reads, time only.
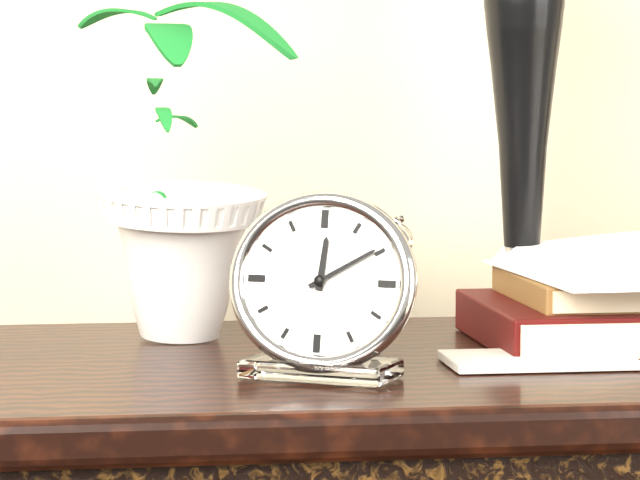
12:10
